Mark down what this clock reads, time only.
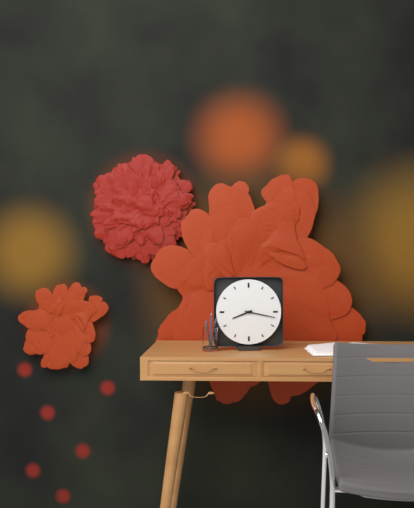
8:17
